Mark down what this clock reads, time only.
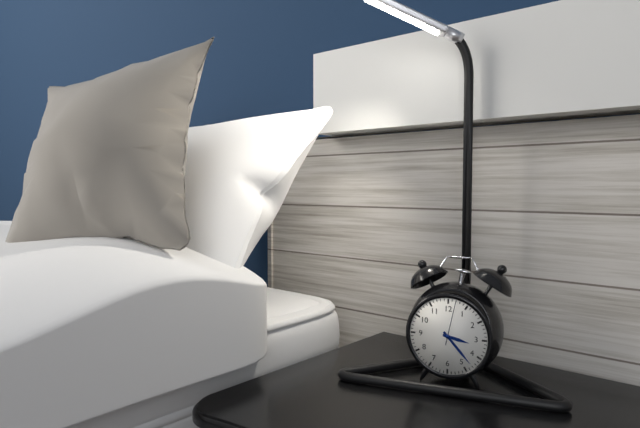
3:23
